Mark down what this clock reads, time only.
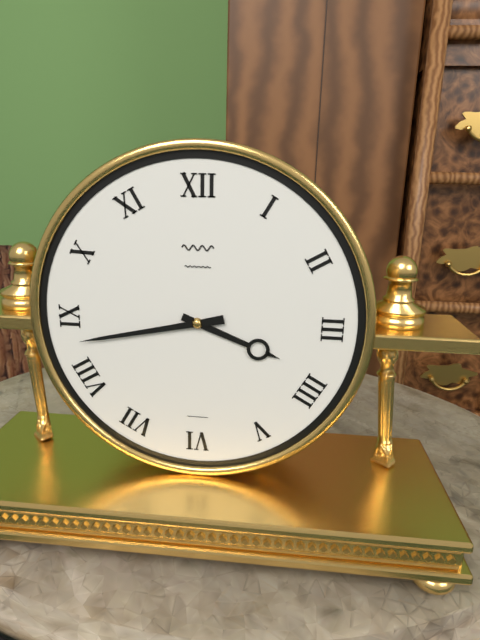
3:43
